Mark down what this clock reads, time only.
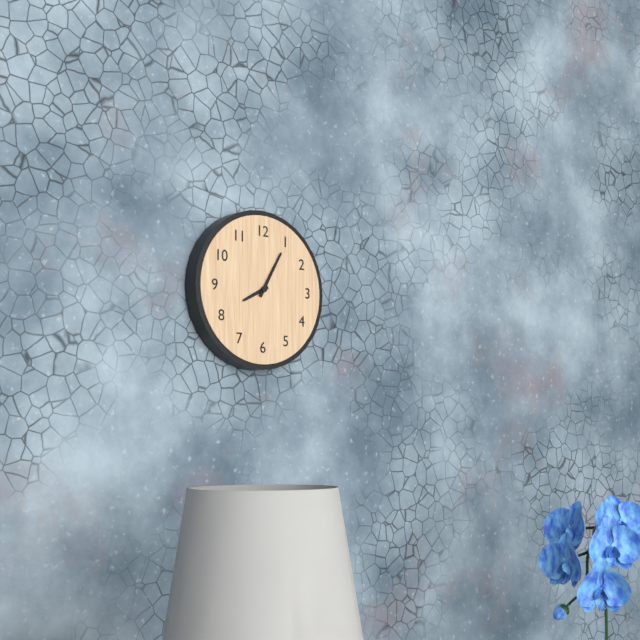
8:05
